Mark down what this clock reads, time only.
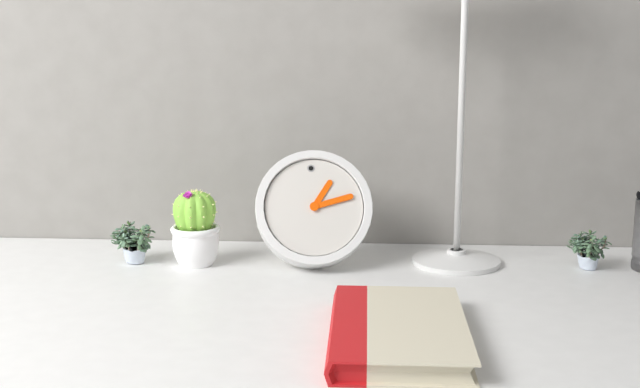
1:13
